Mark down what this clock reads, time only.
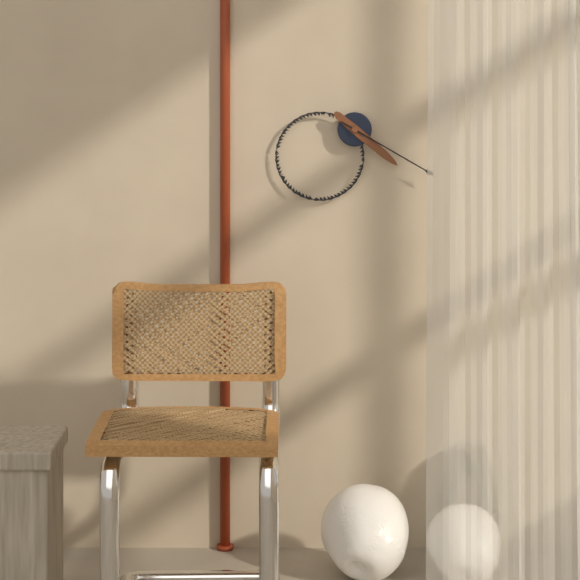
4:20
